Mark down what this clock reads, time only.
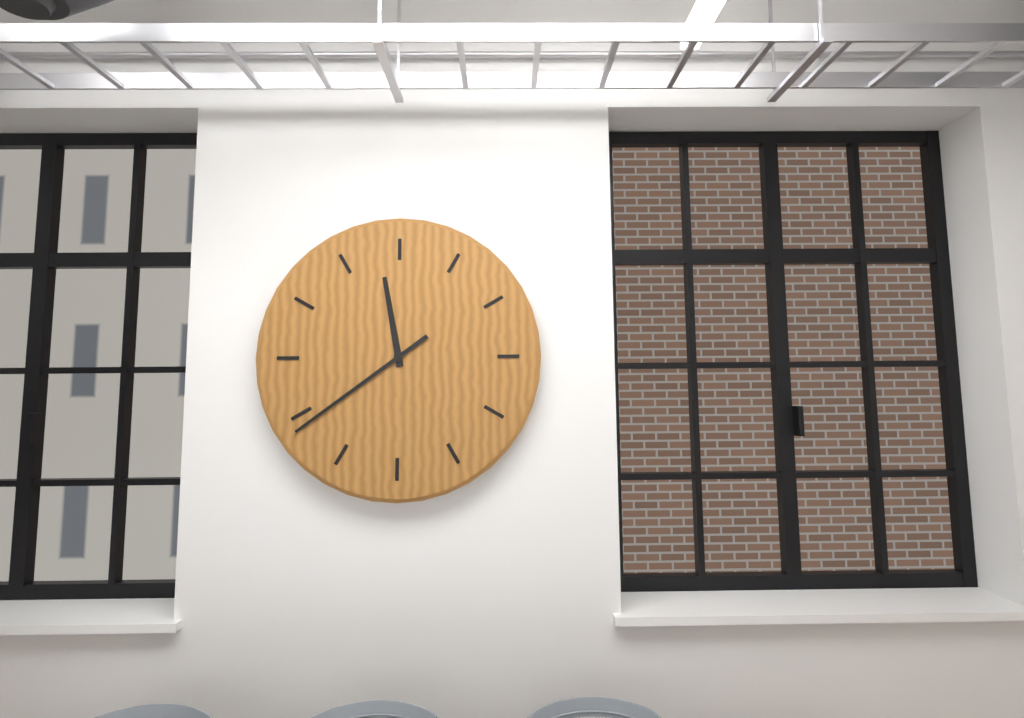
11:39
